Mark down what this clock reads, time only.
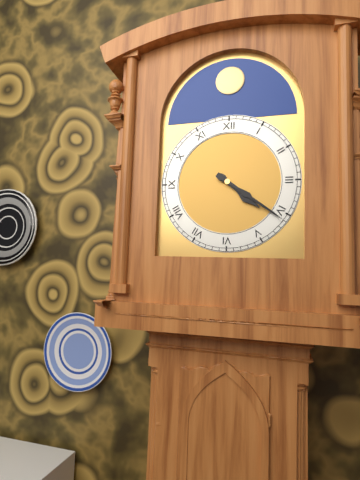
4:21
